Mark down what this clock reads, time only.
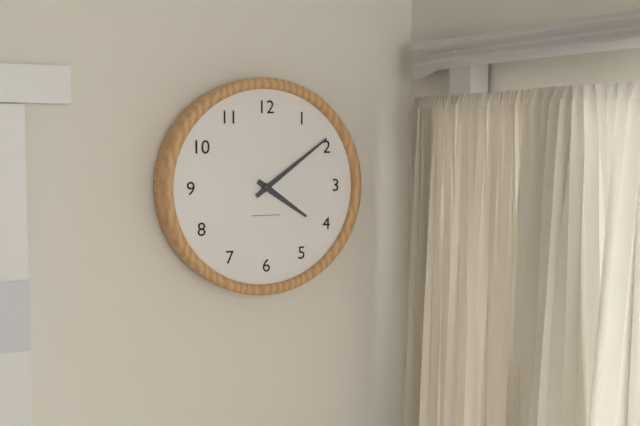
4:09
